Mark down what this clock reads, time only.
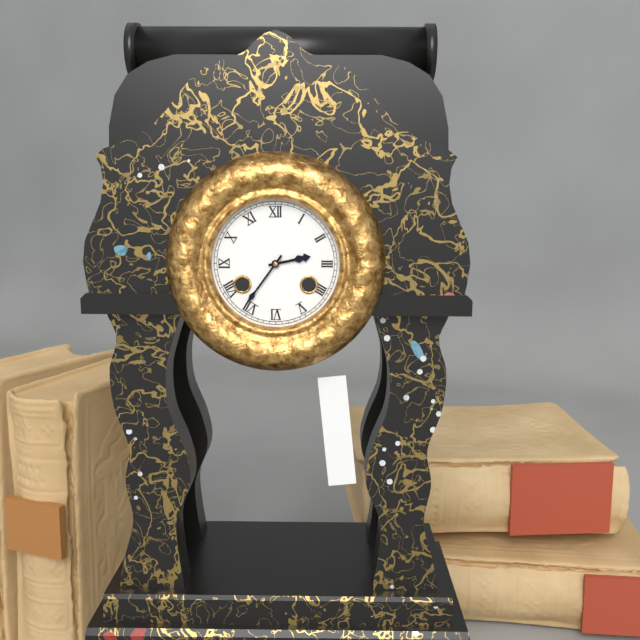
2:36
